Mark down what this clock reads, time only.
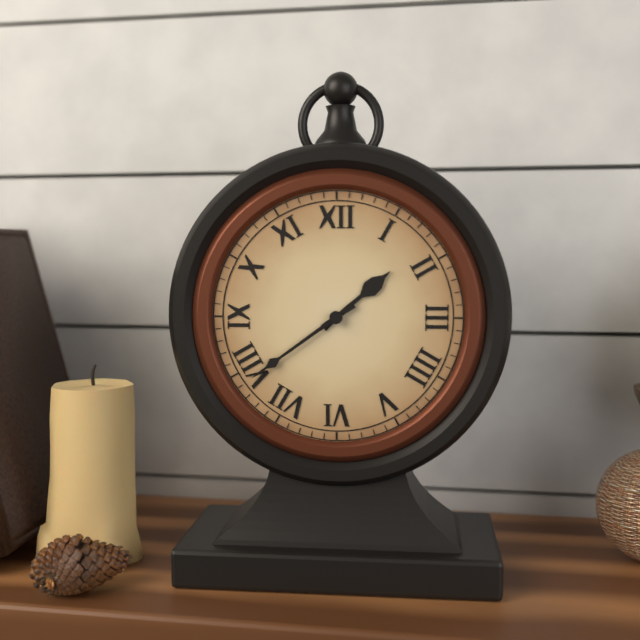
1:39
